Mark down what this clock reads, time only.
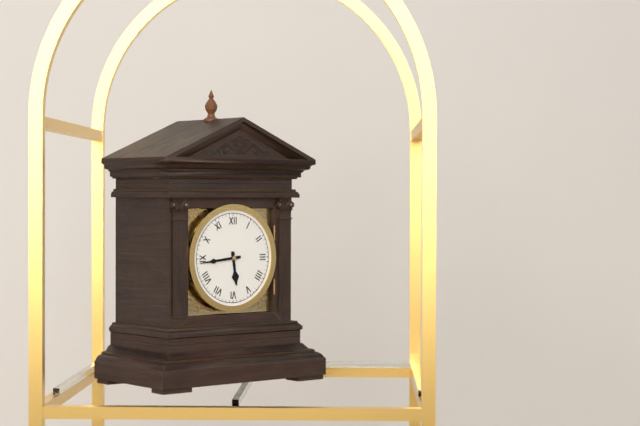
5:44
